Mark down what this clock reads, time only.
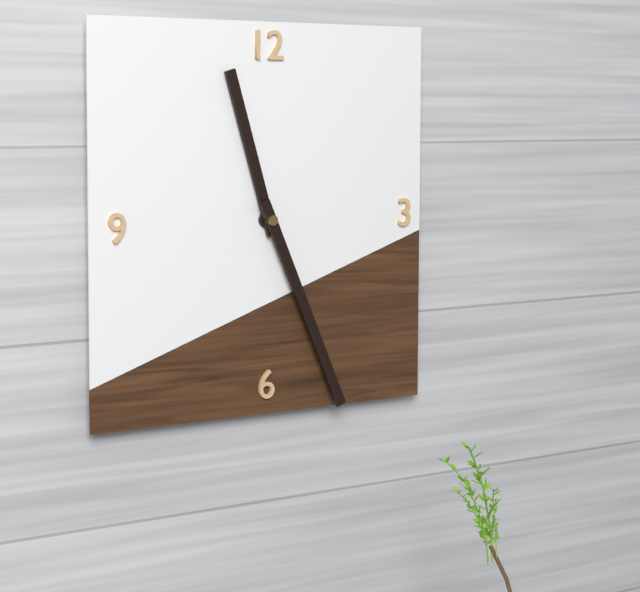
11:26
